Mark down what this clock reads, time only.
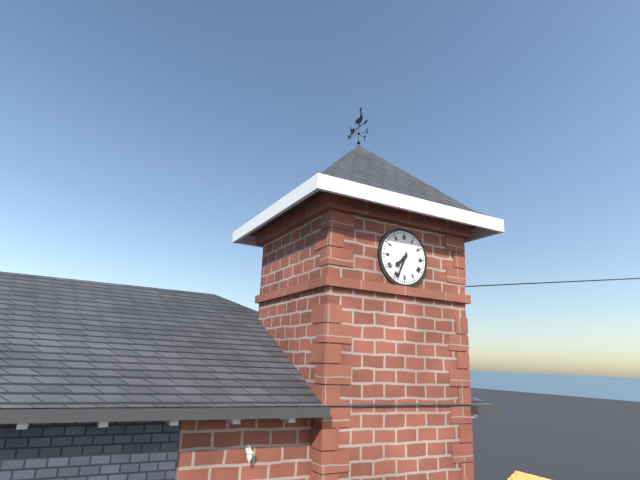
7:34
